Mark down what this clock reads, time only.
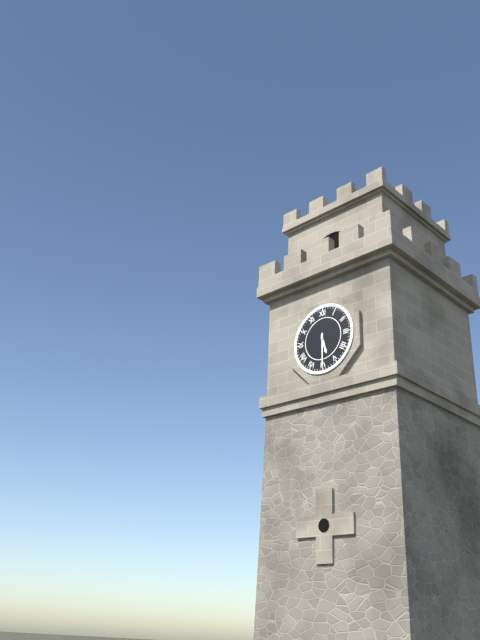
5:30
